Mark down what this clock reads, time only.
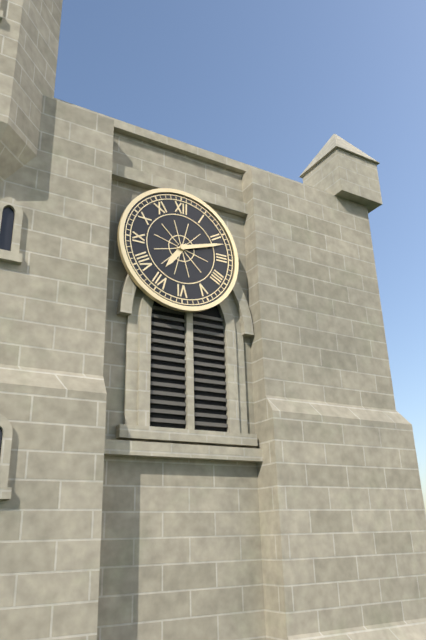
7:12
